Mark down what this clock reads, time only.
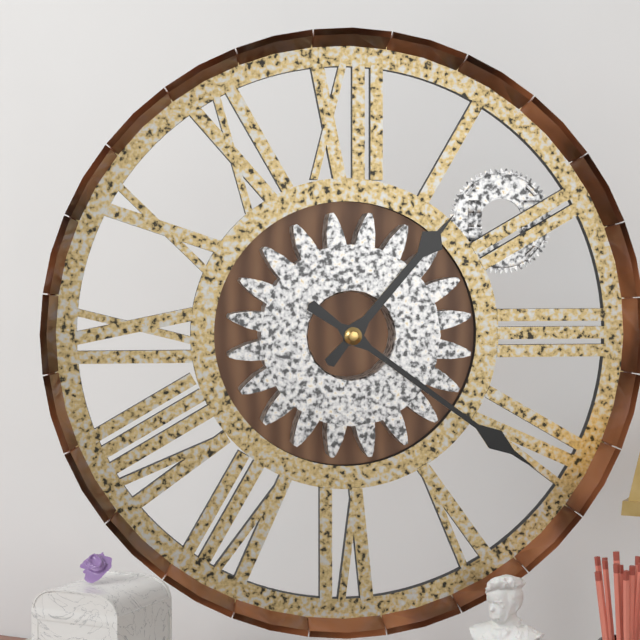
1:21
